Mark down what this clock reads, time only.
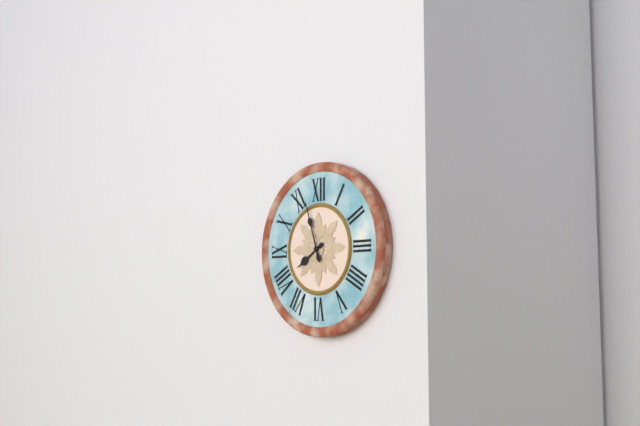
7:57
